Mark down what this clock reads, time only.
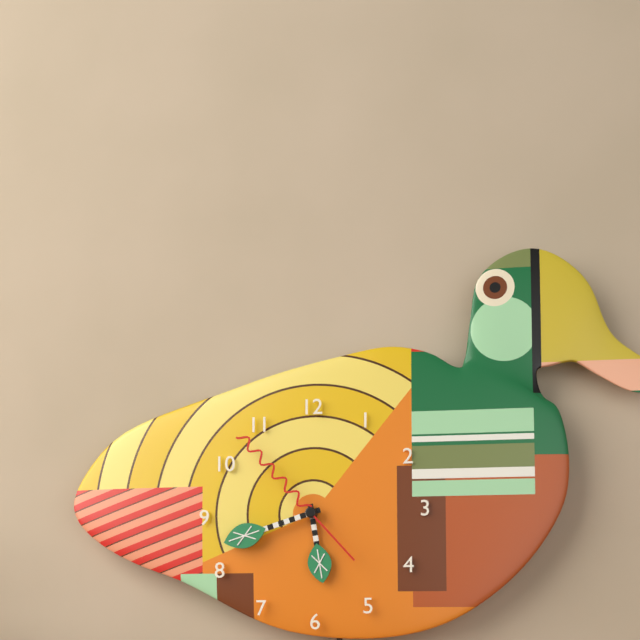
5:42:53
